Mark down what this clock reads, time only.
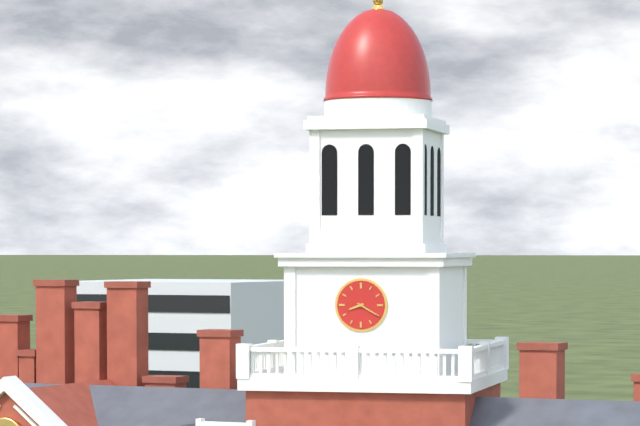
8:20
